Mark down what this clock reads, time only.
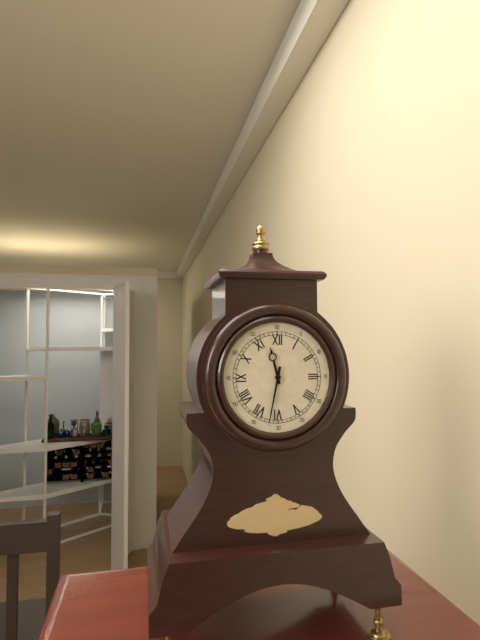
11:32
